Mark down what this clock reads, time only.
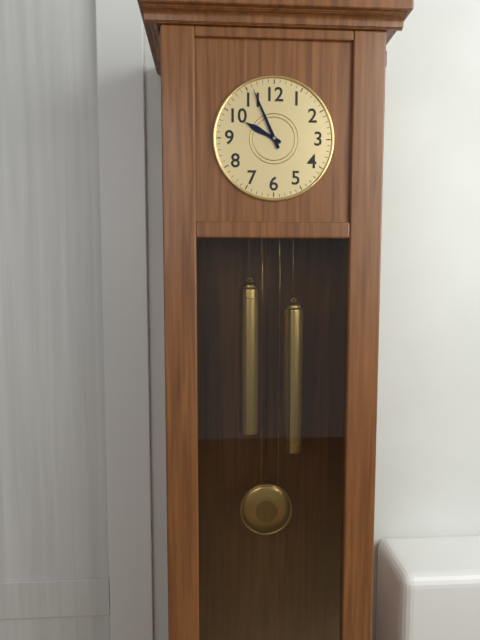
9:56
